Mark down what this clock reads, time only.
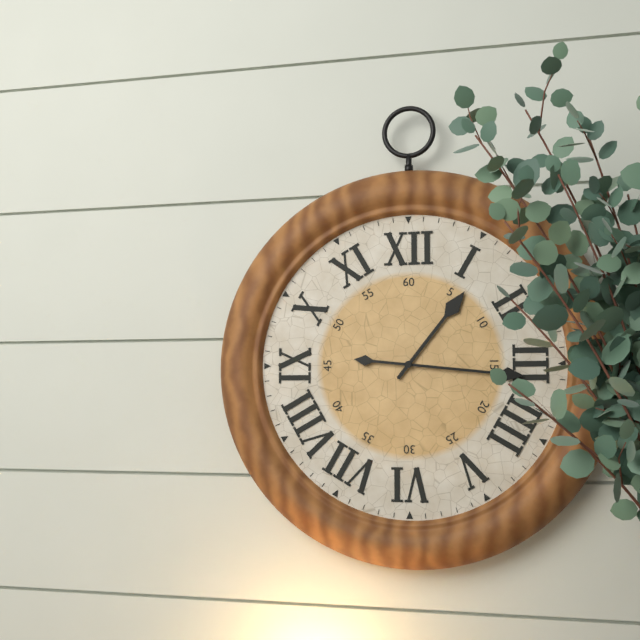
1:16
